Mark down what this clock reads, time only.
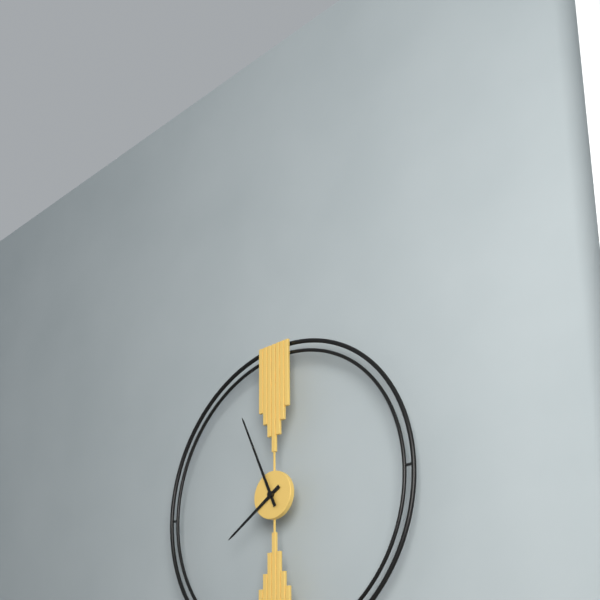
7:56
